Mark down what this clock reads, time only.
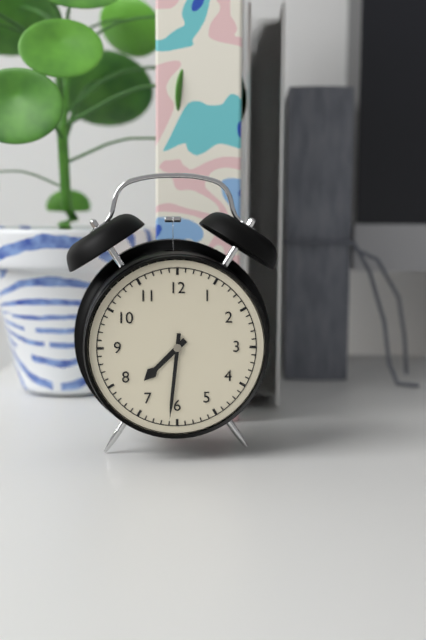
7:31
